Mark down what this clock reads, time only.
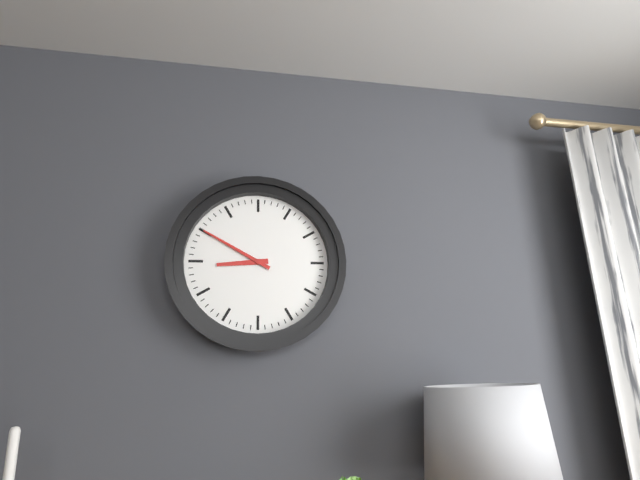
8:50
